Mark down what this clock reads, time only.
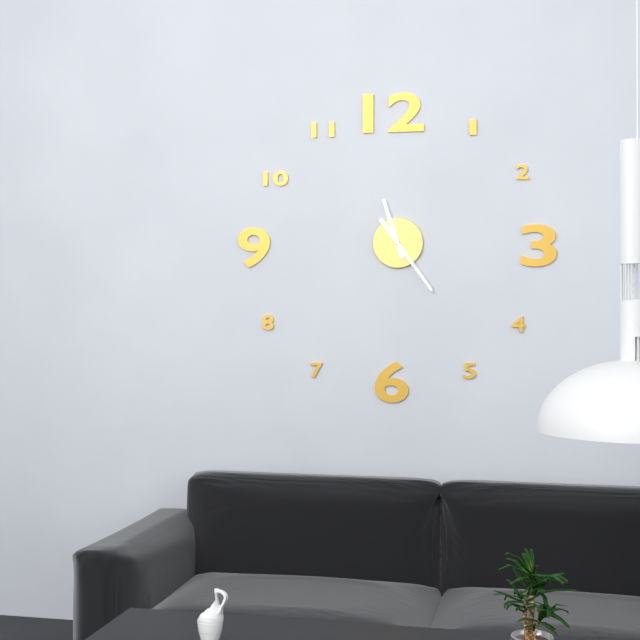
11:24
